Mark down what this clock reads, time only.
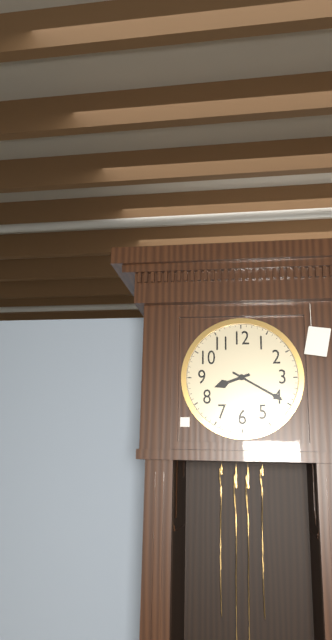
8:20
